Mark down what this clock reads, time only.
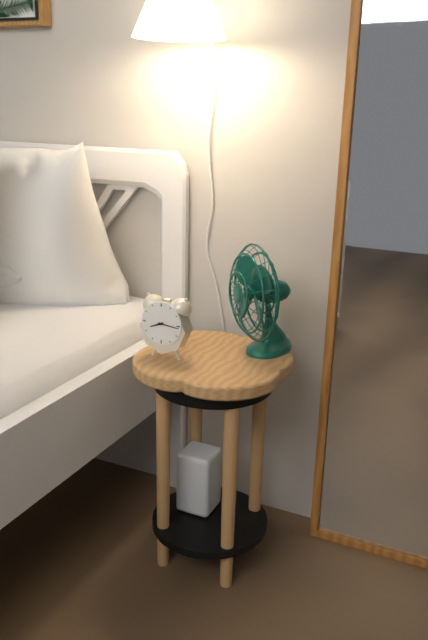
8:16
